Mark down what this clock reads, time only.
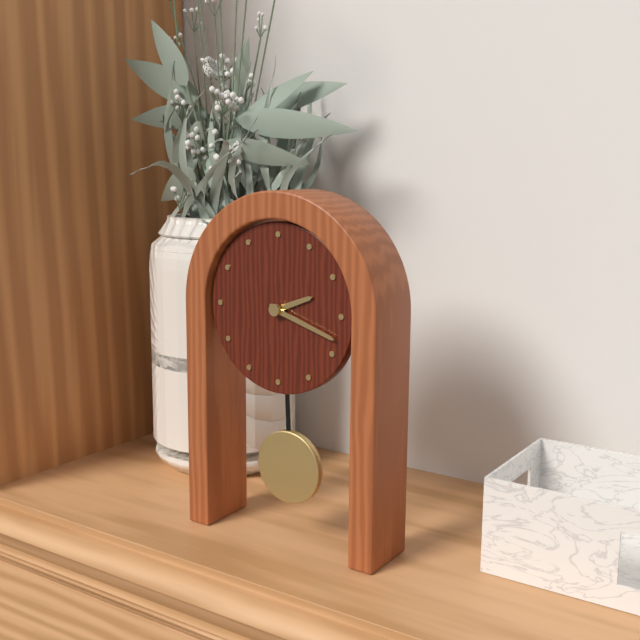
2:18
